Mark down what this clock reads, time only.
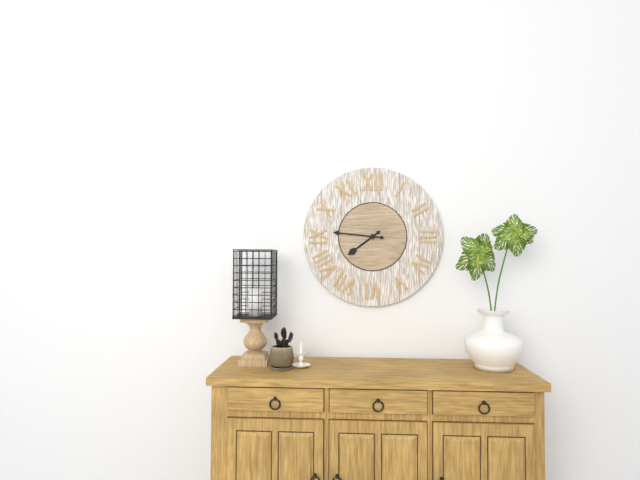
7:46
